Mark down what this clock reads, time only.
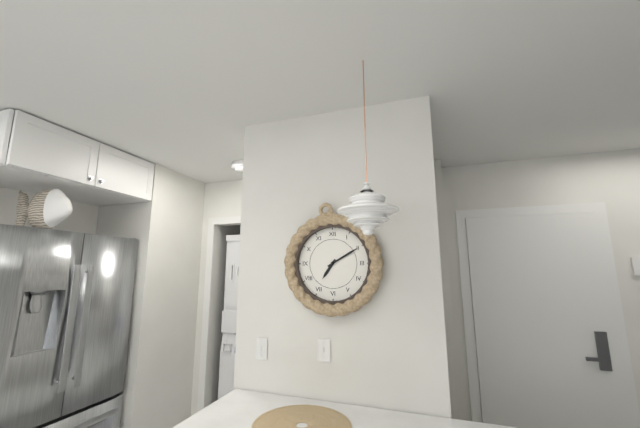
7:10
